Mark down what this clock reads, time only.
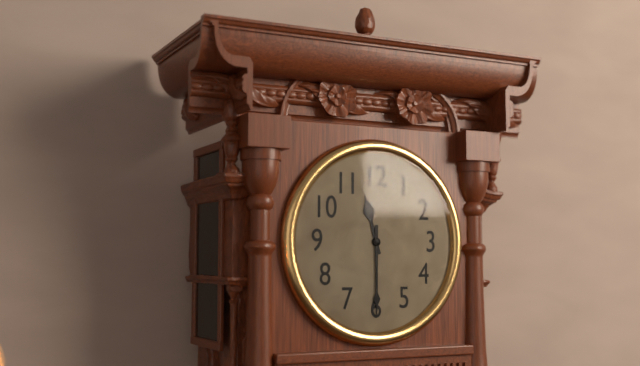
11:30
